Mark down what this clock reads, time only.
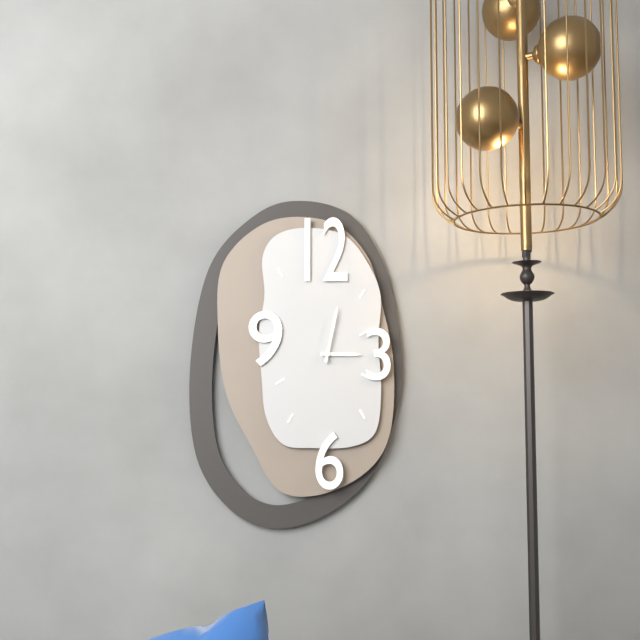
3:02
